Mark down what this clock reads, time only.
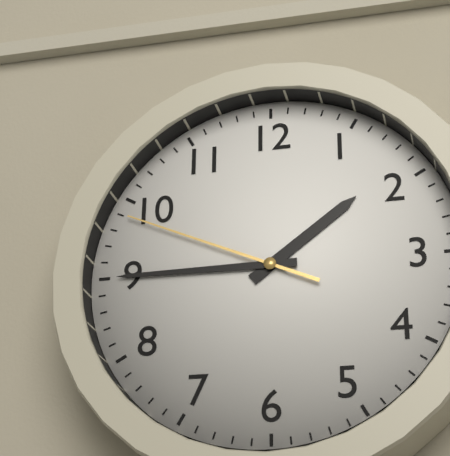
1:45:49
